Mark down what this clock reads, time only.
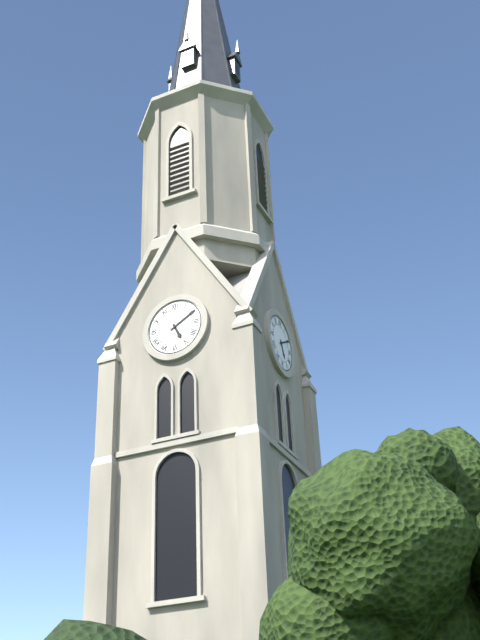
5:10
